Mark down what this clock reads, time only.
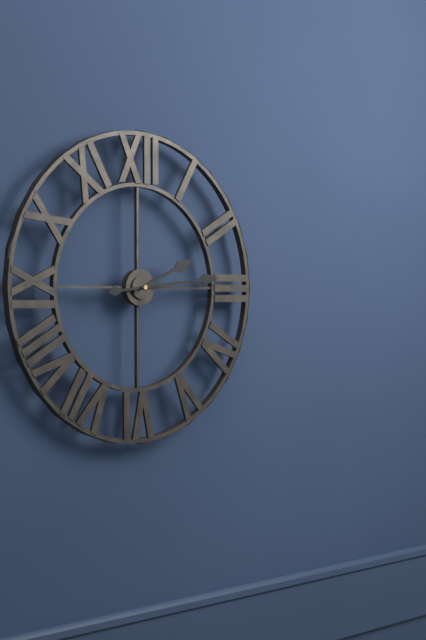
2:14
